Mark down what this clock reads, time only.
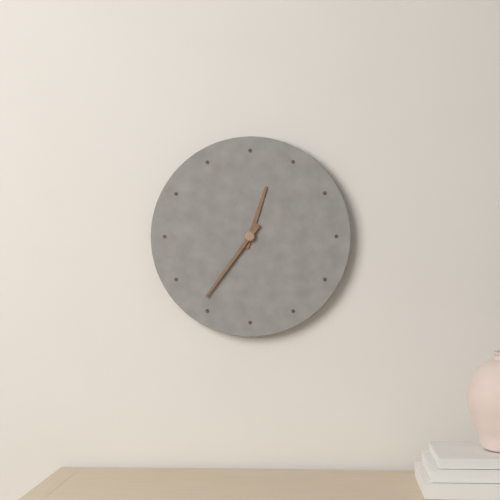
12:36
